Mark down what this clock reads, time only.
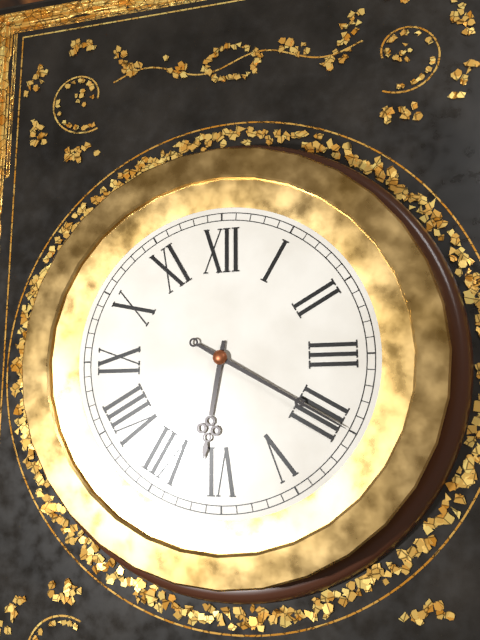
6:20
